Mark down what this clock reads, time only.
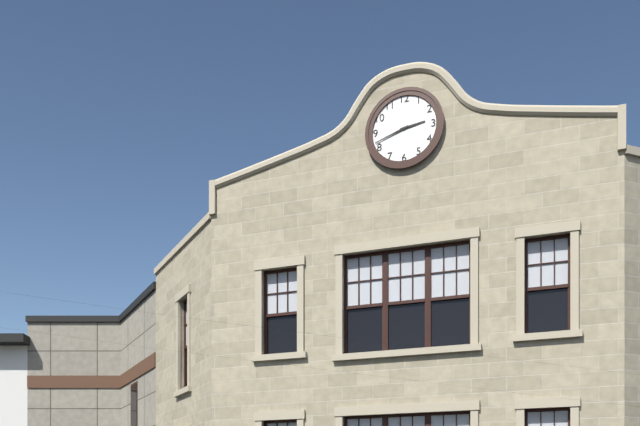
2:42
